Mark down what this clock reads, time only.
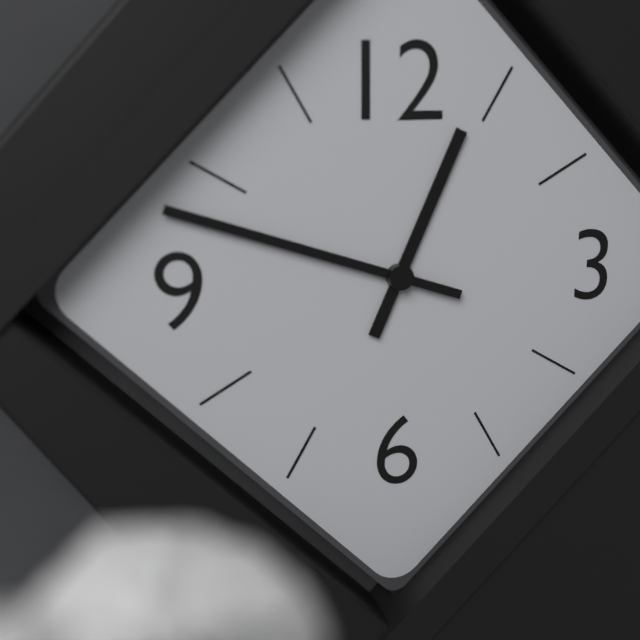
12:48
